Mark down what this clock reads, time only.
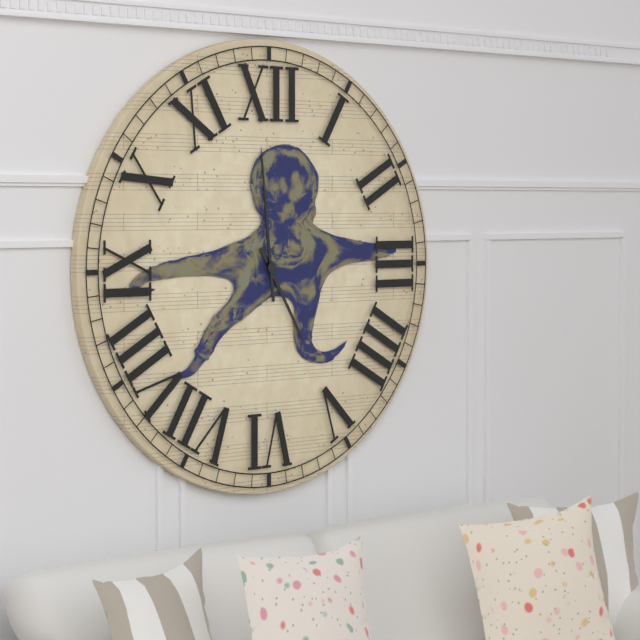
4:59
